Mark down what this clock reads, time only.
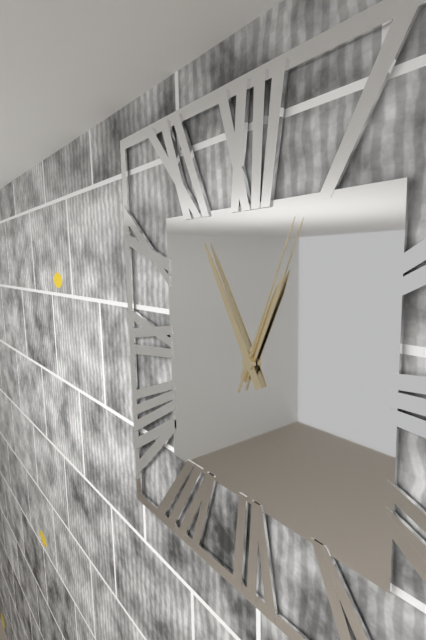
12:55:04
